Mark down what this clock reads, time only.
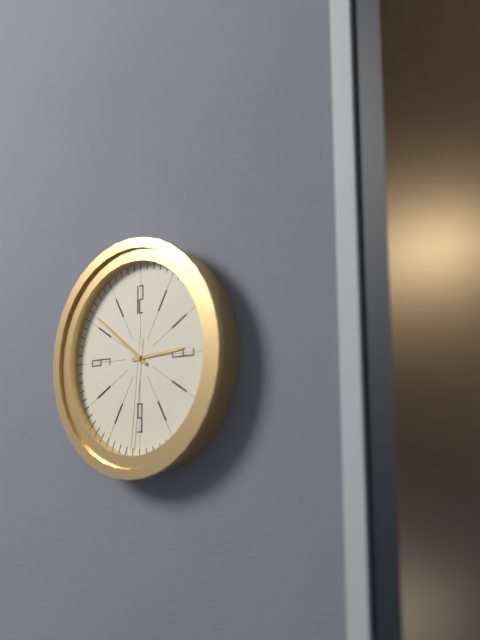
2:51:31
